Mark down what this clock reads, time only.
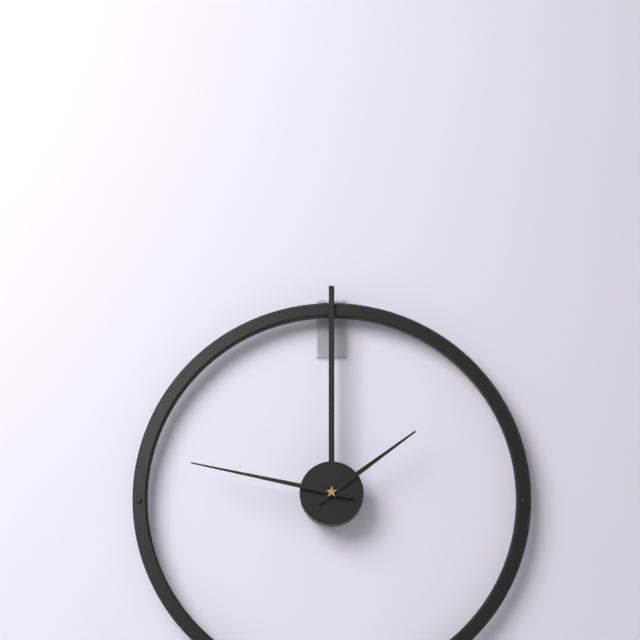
1:47
